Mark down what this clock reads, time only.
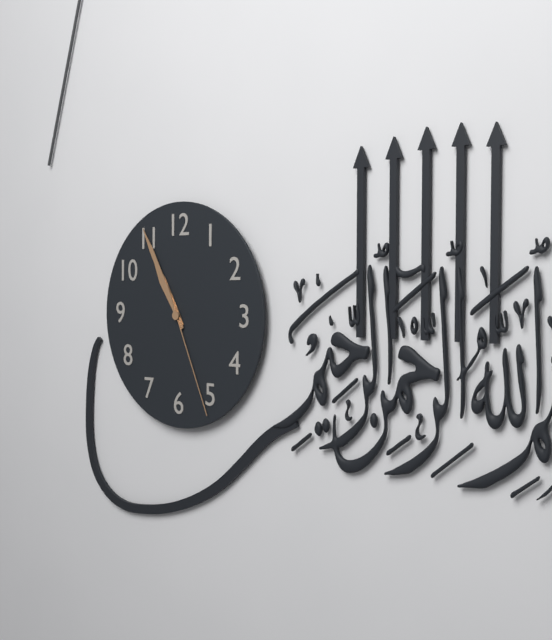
10:55:26
